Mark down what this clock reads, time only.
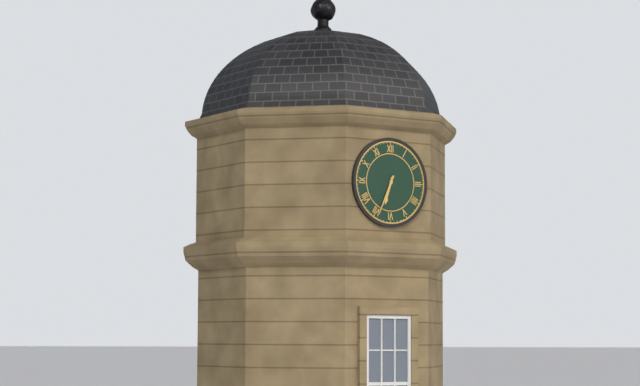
6:34
